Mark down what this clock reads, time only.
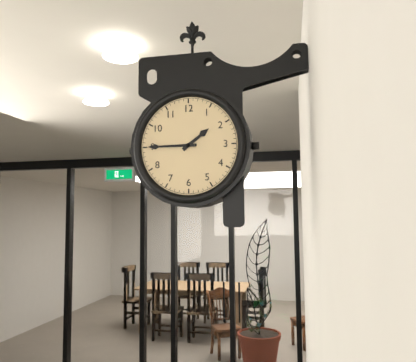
1:45
